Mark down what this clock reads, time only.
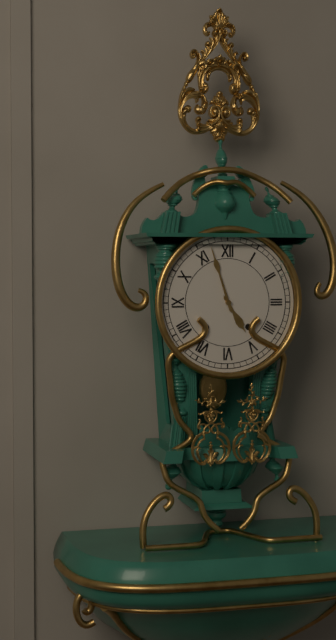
4:57
